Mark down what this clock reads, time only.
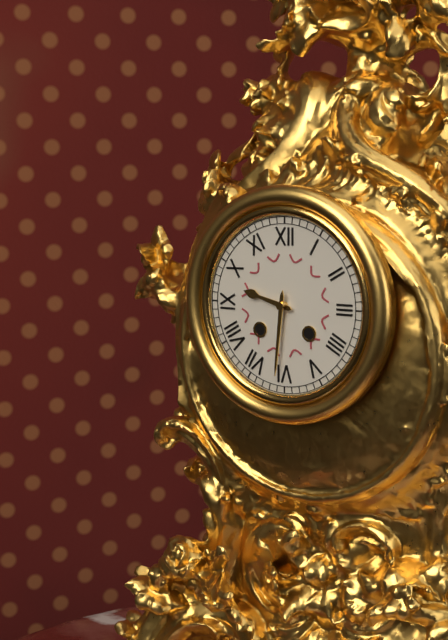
9:31
